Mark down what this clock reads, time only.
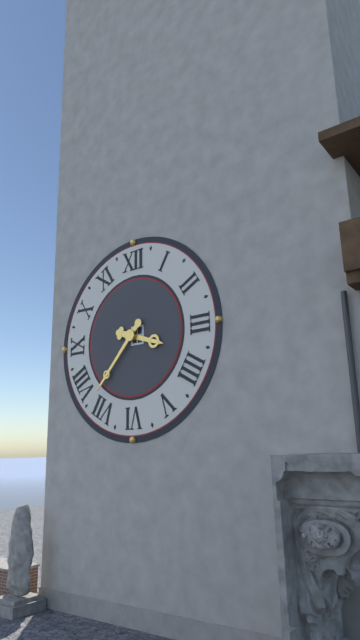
3:37
